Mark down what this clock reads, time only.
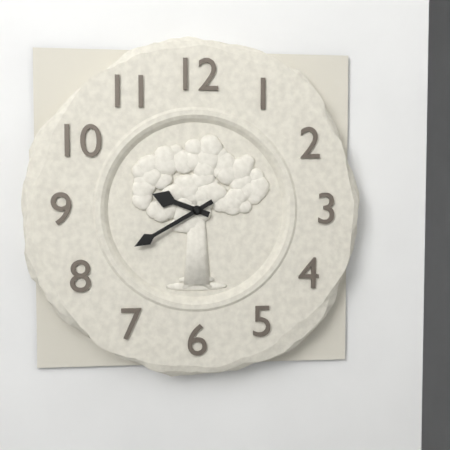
9:40
